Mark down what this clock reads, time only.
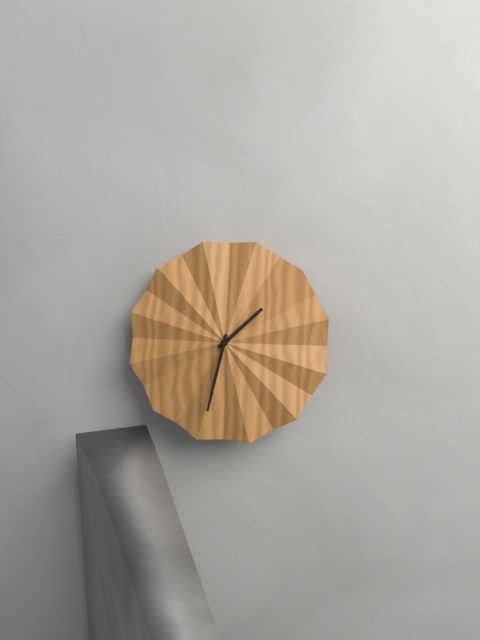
1:32
